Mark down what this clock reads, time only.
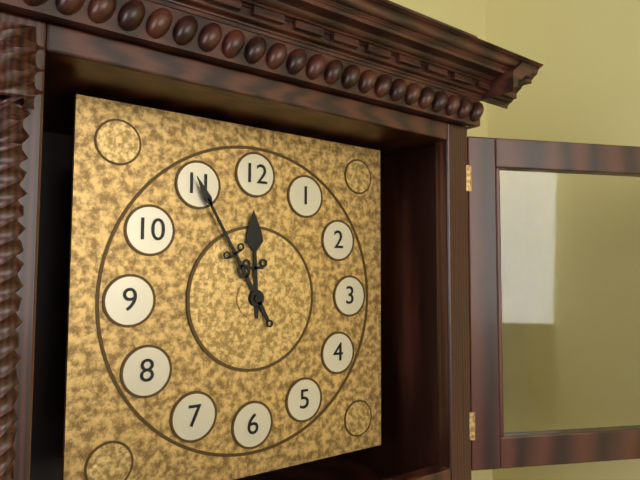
11:55
